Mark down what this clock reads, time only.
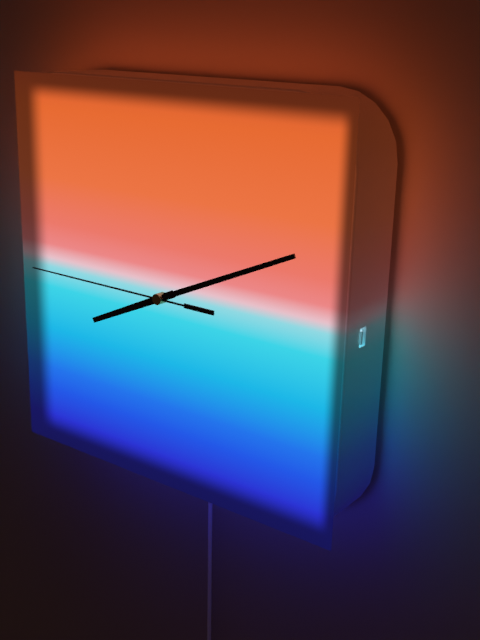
8:11:45
